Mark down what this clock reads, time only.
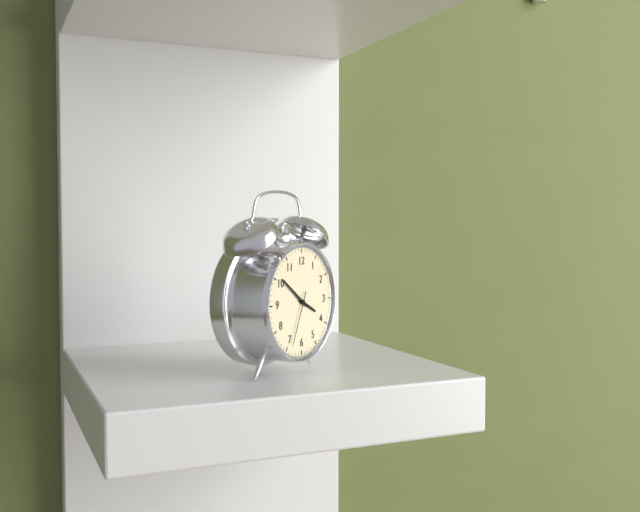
3:51:34
